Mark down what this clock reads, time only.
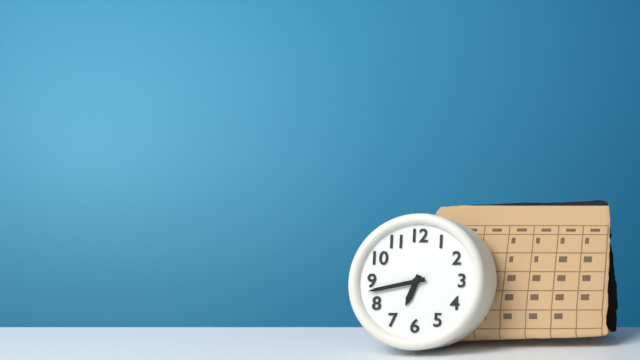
6:43
